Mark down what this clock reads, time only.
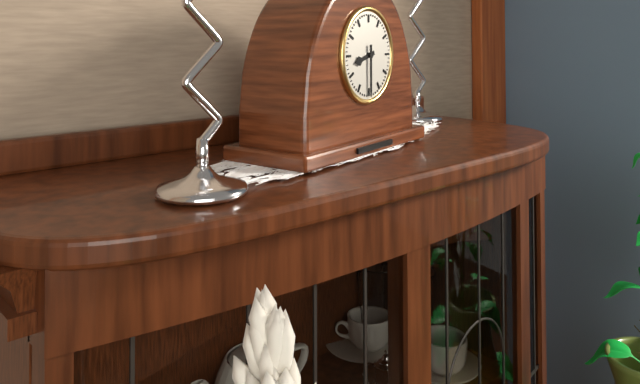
8:30
